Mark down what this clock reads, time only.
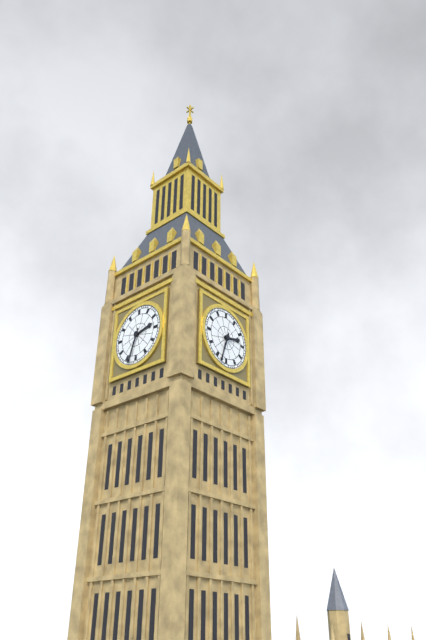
2:33
